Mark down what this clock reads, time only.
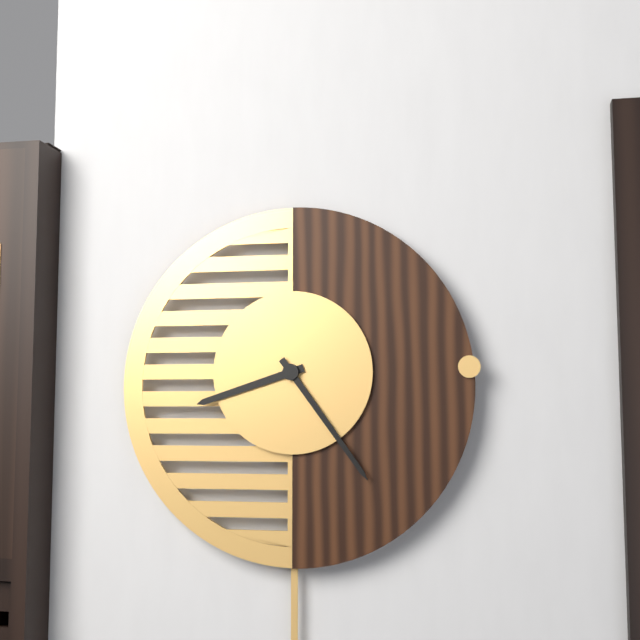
8:24
